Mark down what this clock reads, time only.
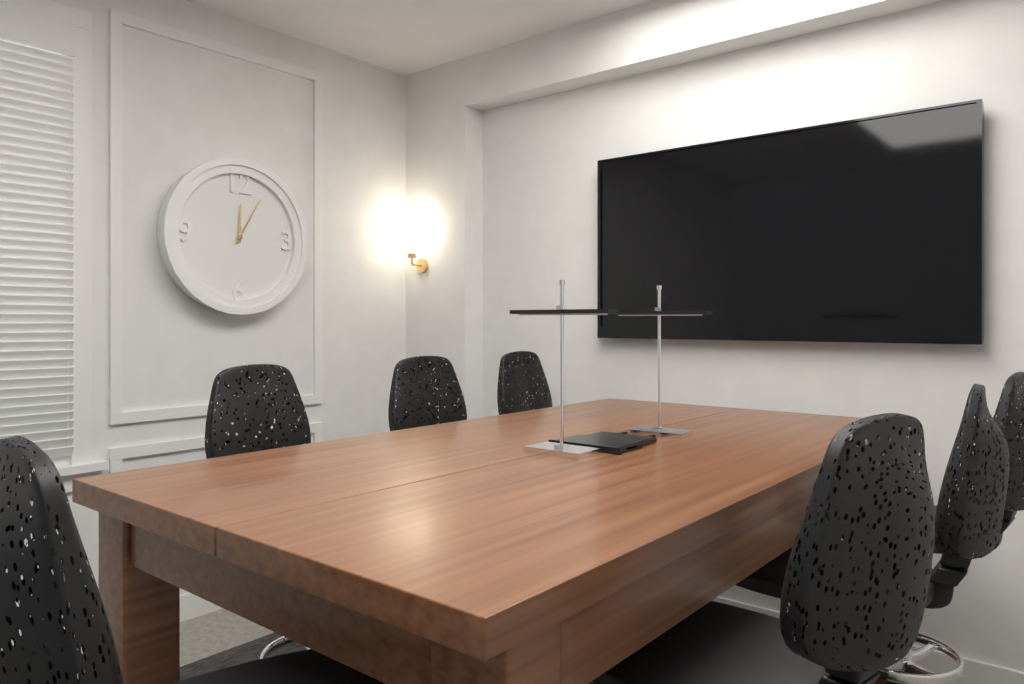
12:05
